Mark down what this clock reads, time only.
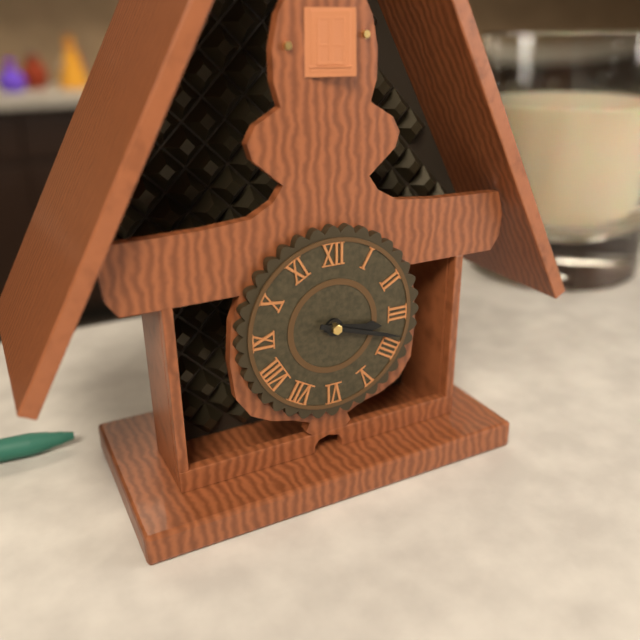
3:18
